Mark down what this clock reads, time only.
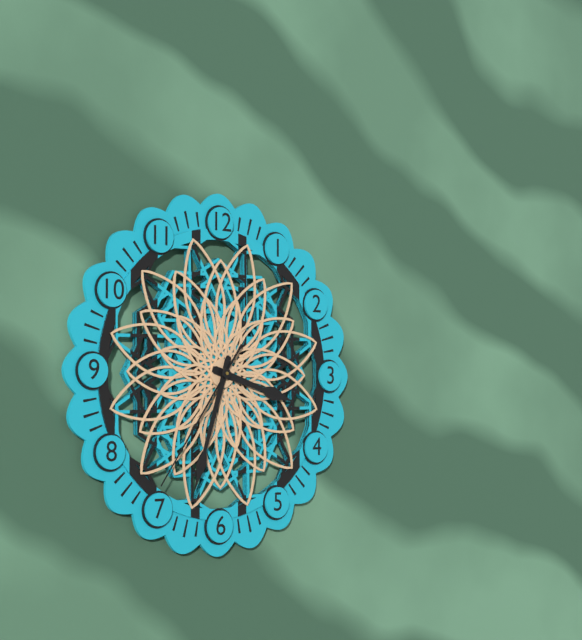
3:33:36
